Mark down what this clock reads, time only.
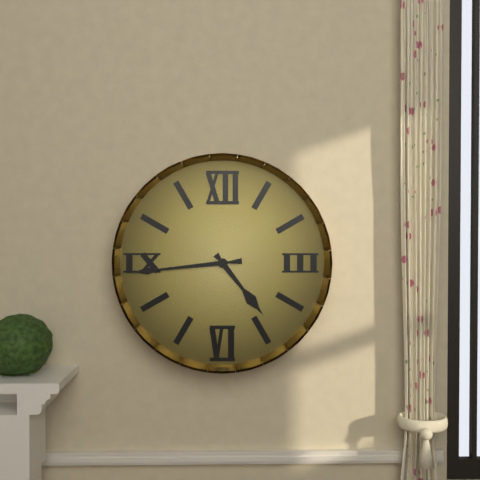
4:44
